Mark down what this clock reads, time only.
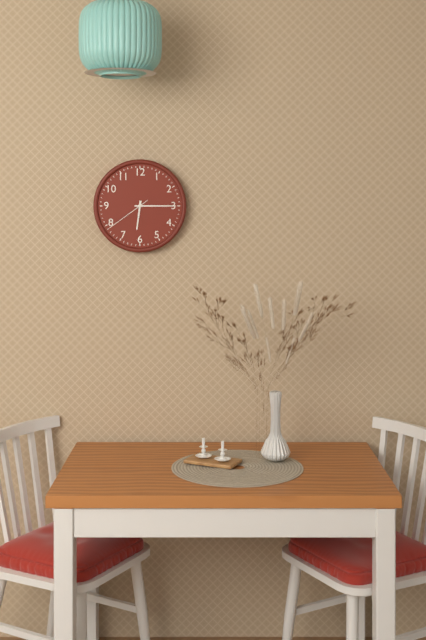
6:15
